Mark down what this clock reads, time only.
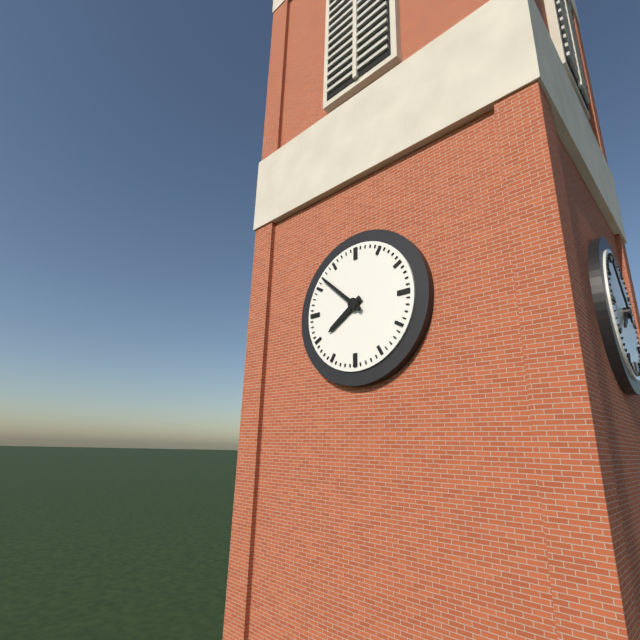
7:52
